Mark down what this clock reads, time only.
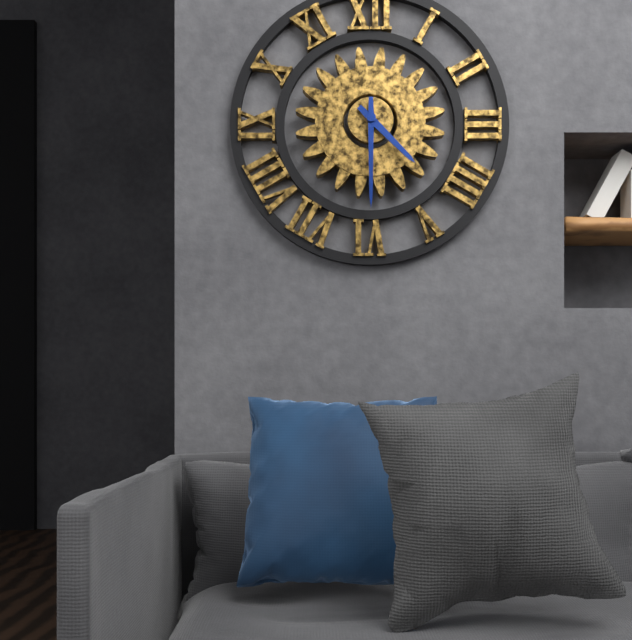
4:30
